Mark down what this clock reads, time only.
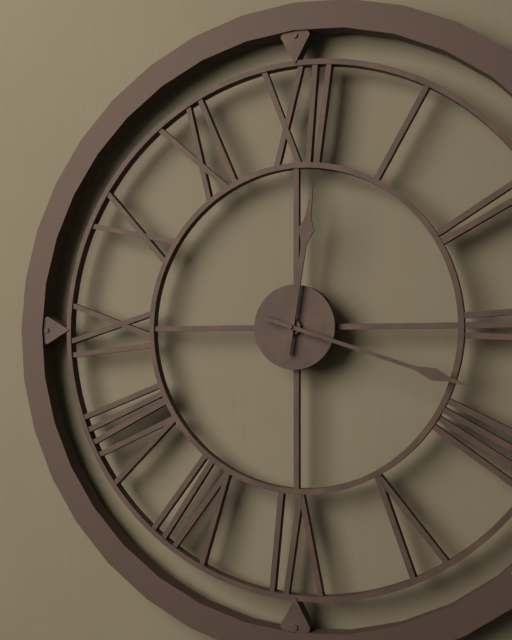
12:18
